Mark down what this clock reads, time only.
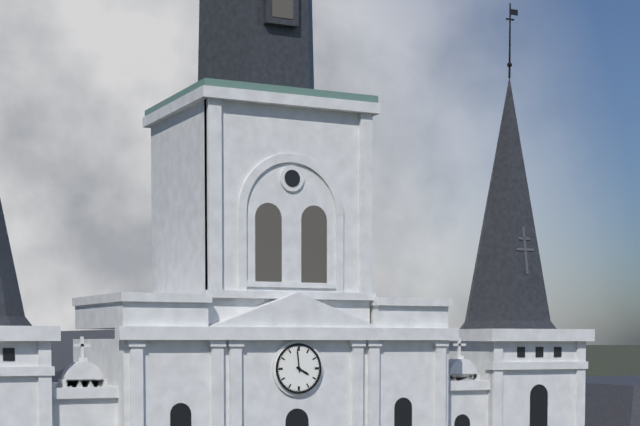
3:59
